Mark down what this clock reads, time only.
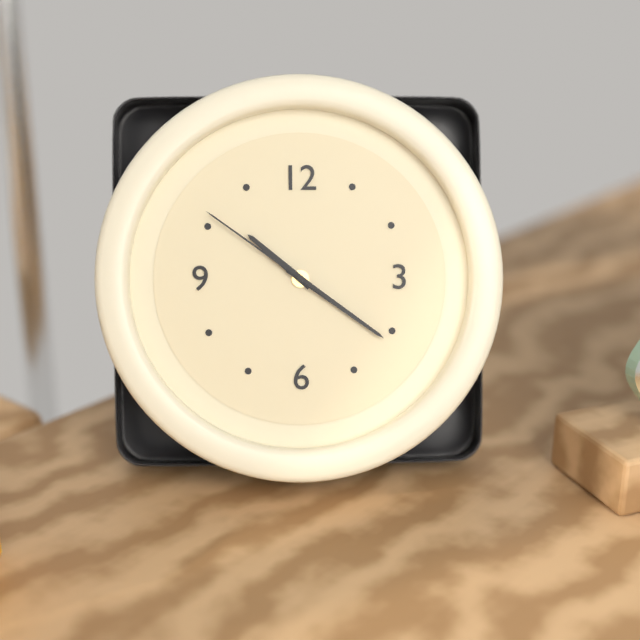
10:21:51
